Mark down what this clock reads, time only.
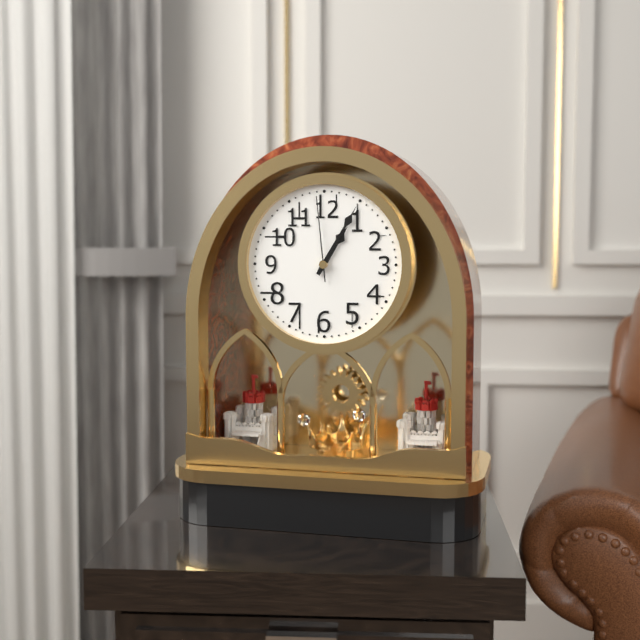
1:05:59
